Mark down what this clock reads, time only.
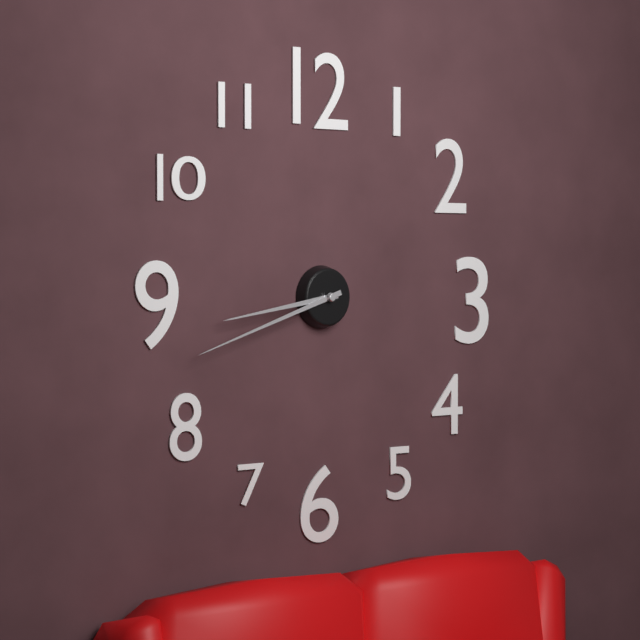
8:42
